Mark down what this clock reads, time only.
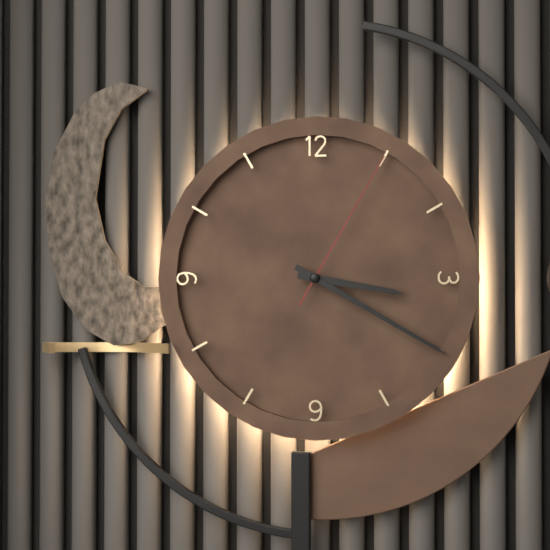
3:20:05
